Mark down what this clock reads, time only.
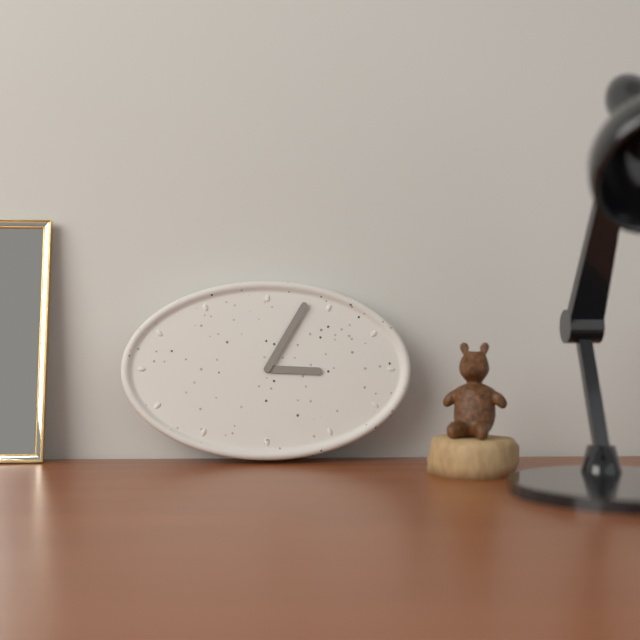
3:05
